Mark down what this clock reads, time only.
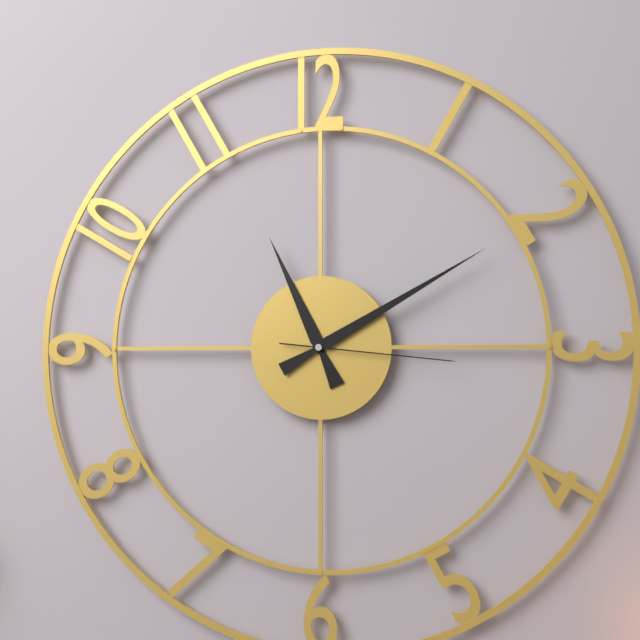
11:10:16
